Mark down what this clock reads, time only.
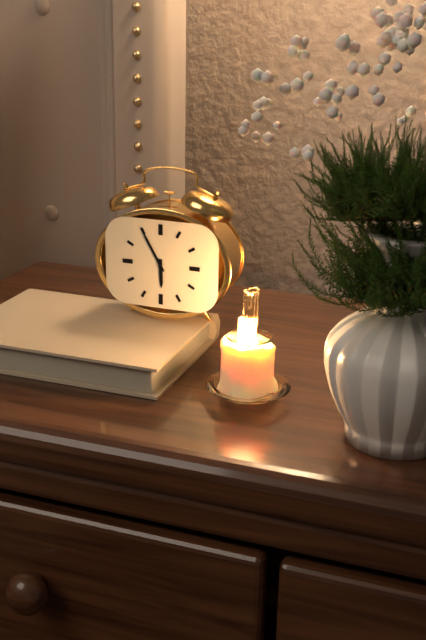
5:55
